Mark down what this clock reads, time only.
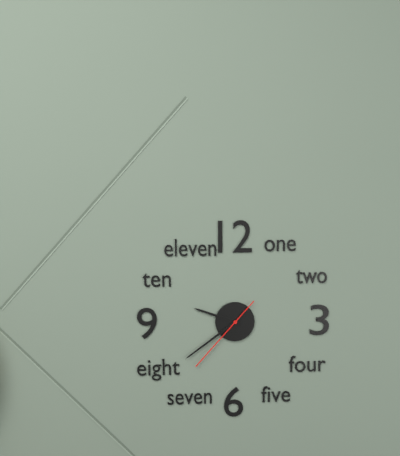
9:39:37
